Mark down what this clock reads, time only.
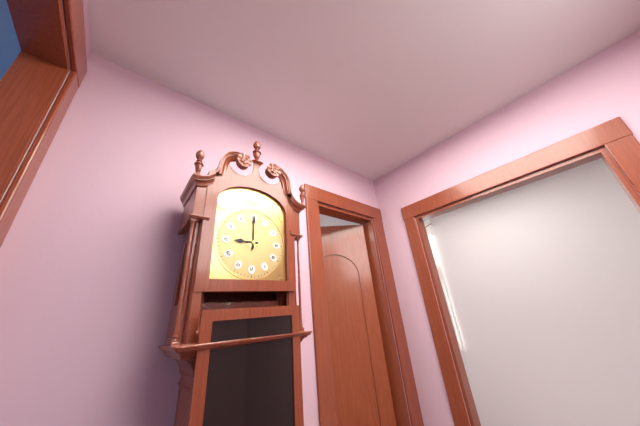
9:00
